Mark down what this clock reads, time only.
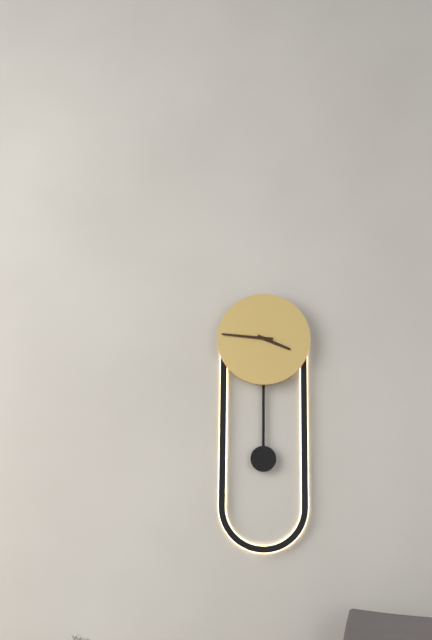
3:46
